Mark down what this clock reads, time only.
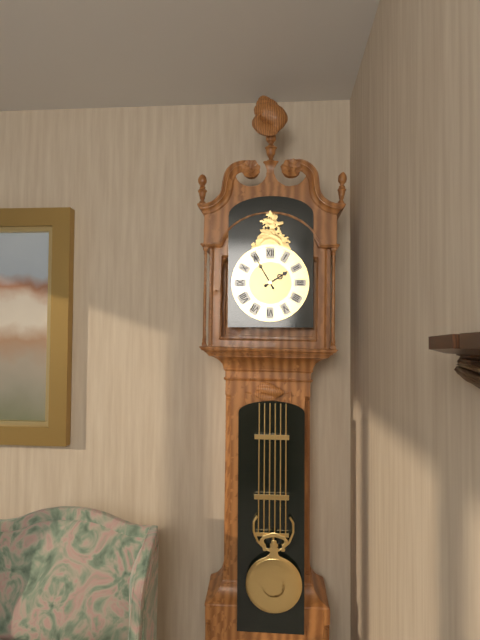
1:55
